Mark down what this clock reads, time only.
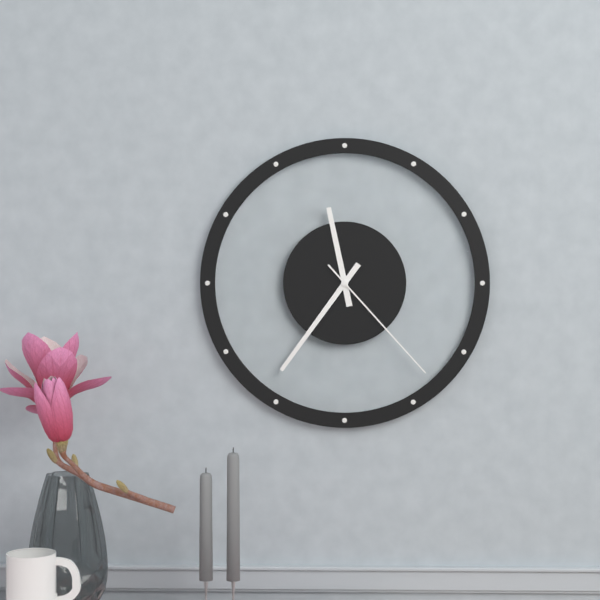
11:36:23
